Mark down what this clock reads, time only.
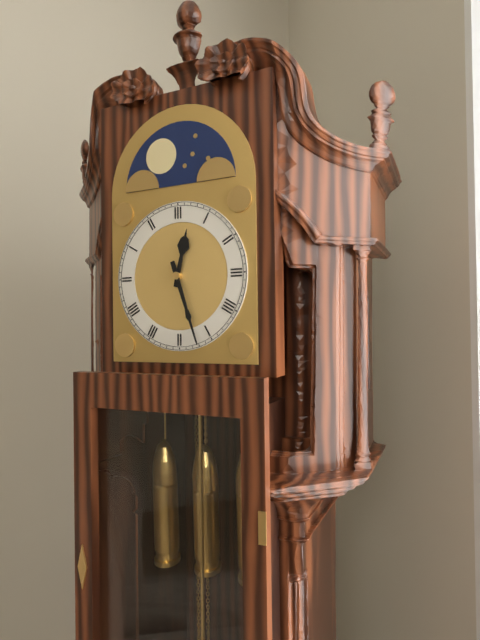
12:27
